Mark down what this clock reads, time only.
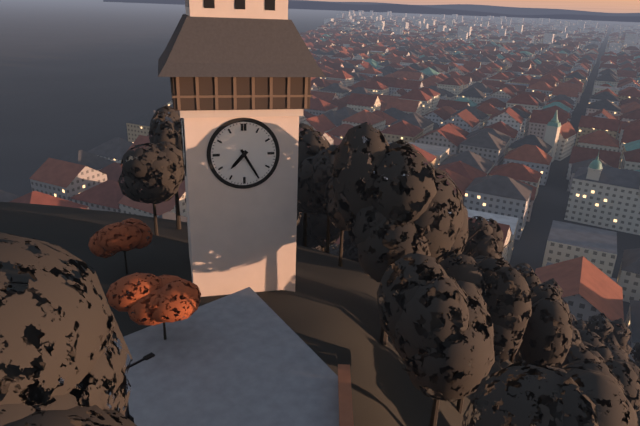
7:25
